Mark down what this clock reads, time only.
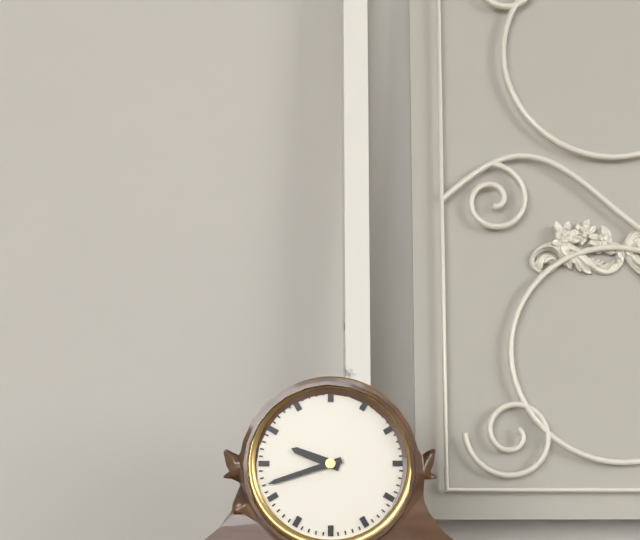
9:42
